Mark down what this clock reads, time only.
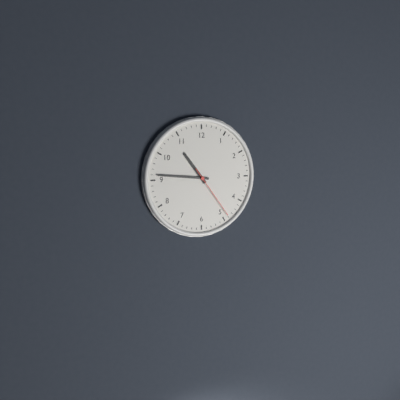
10:46:24
